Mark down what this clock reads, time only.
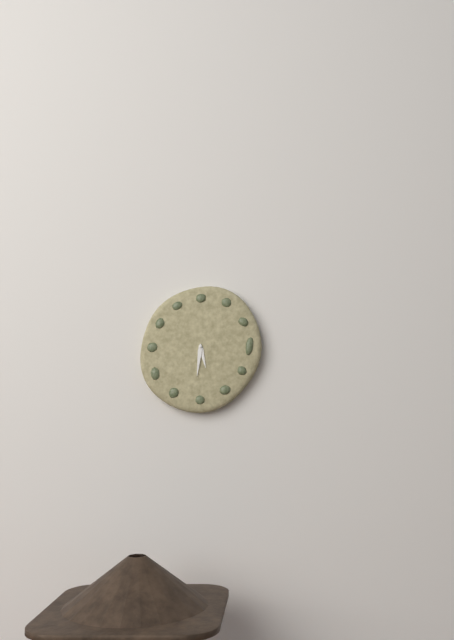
5:31
